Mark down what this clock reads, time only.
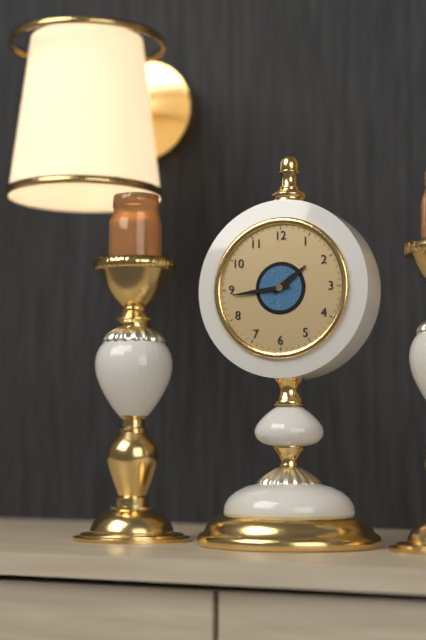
1:44
